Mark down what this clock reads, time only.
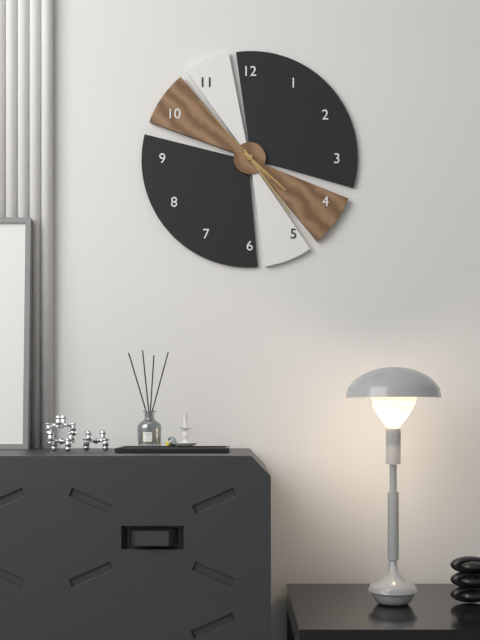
4:24:53
